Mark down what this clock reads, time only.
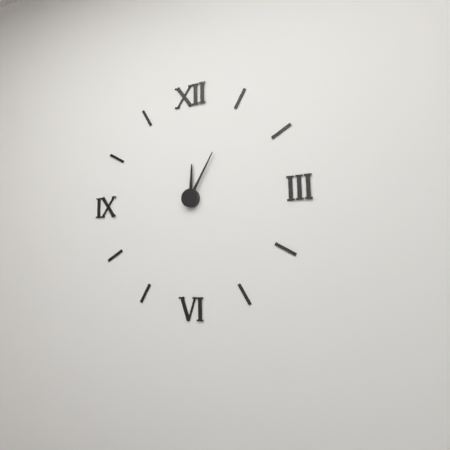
12:05
